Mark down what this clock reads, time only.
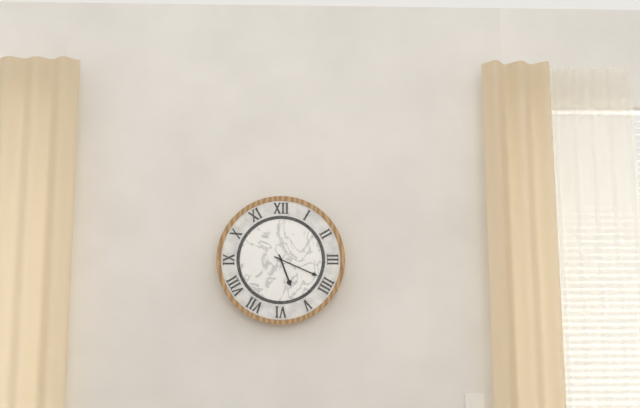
5:19
